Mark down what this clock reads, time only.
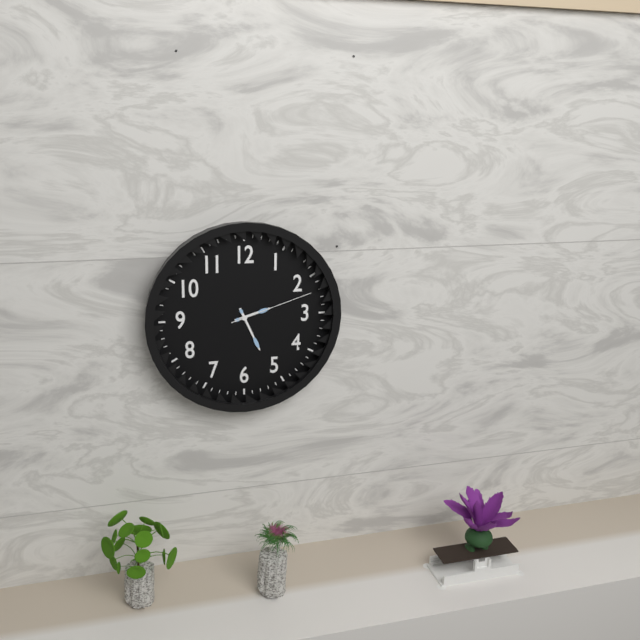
2:26:12
